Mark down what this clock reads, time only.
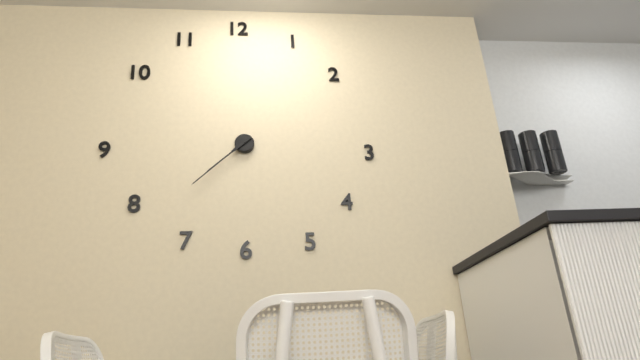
7:38
